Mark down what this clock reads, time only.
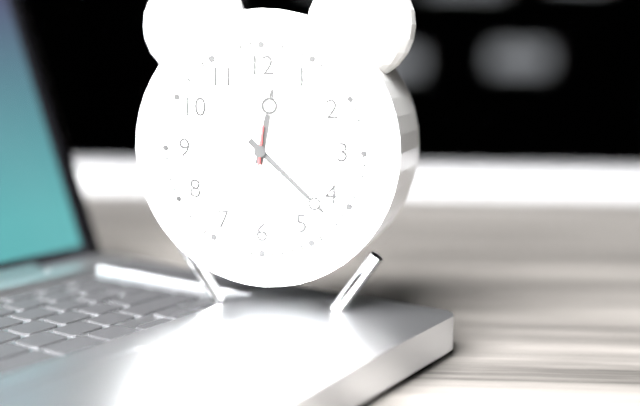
12:22:31
